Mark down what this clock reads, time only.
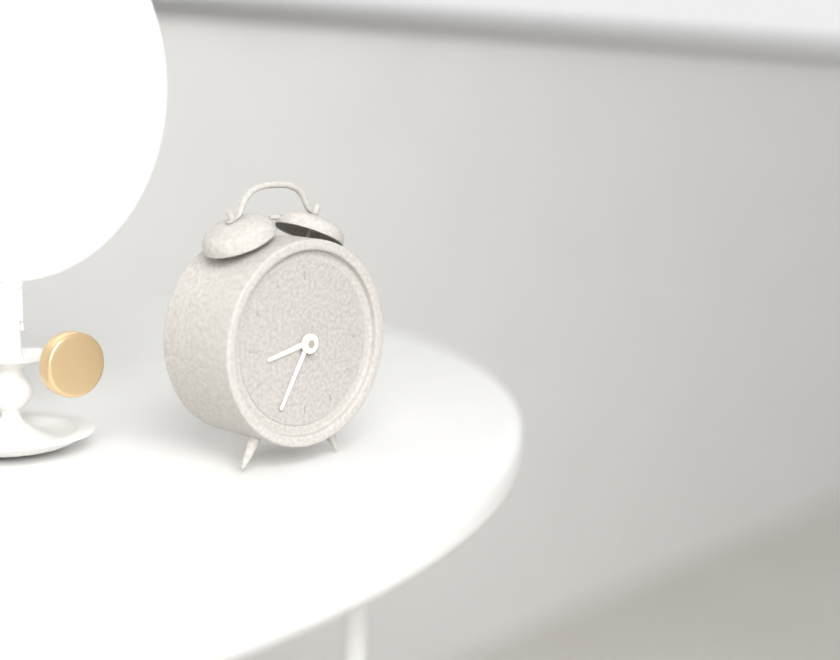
8:35
